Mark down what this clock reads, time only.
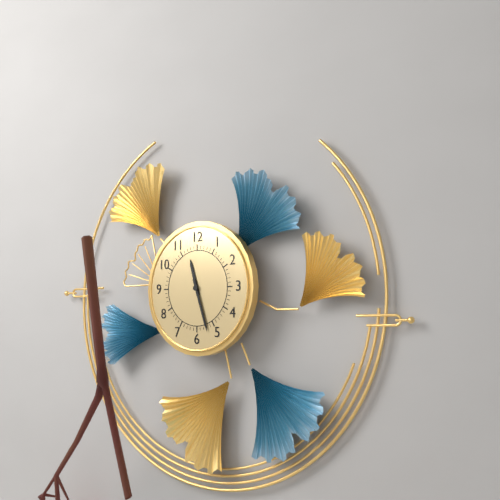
11:27
